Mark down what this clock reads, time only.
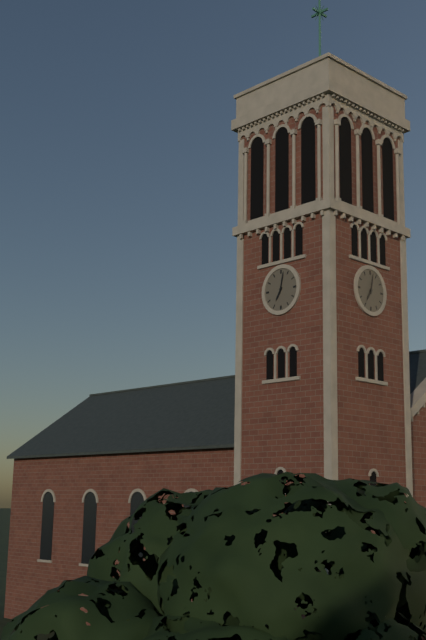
7:02
